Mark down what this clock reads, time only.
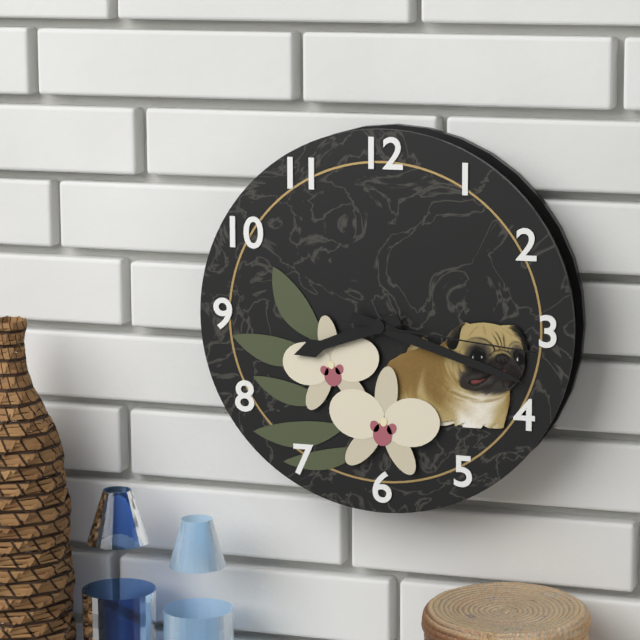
8:18:16
